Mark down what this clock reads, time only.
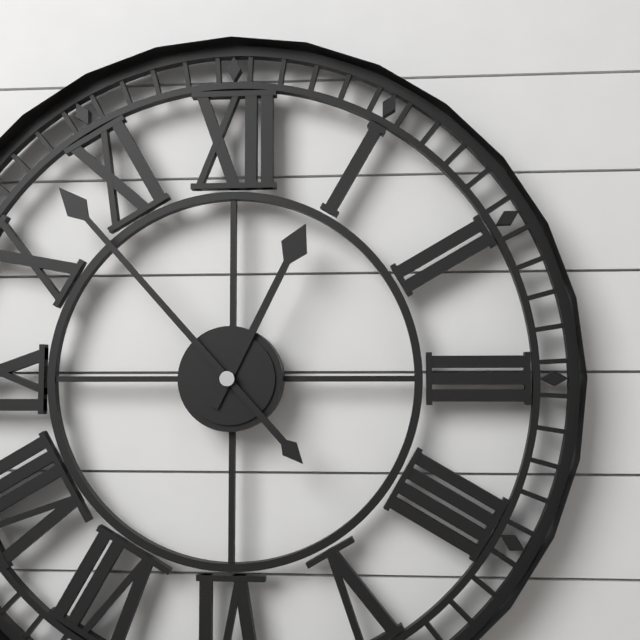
12:53
